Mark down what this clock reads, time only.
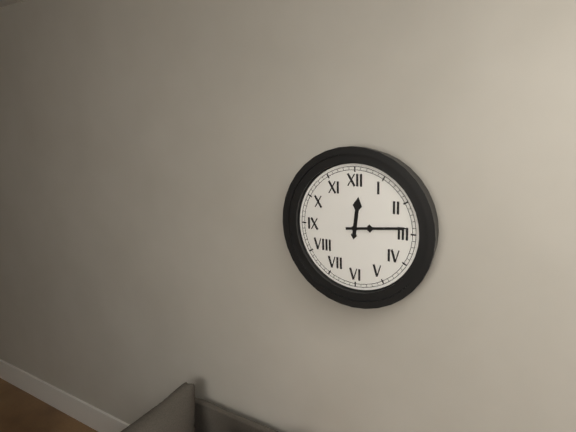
12:14
